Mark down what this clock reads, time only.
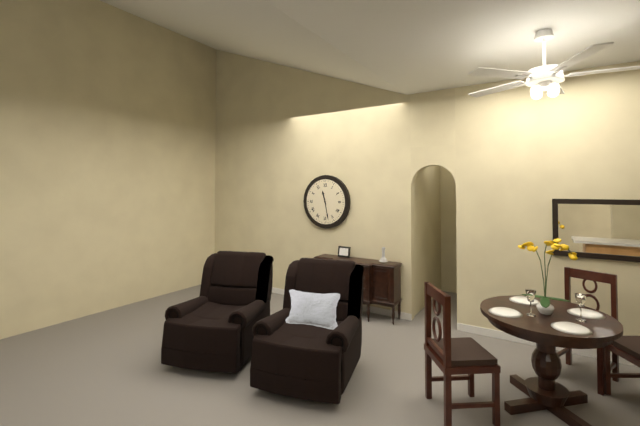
11:28
